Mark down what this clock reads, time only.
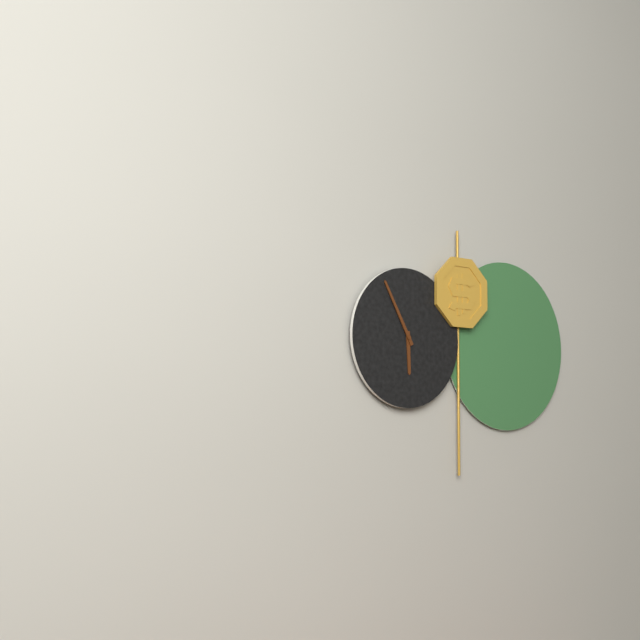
5:55
